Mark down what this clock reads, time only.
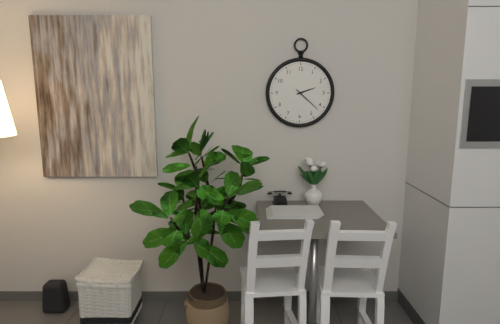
2:22
